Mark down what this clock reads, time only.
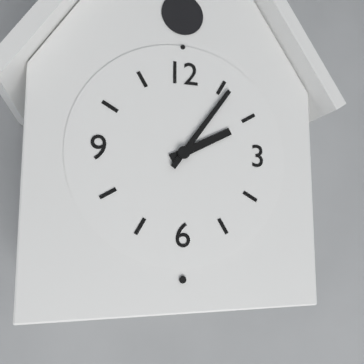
2:06
